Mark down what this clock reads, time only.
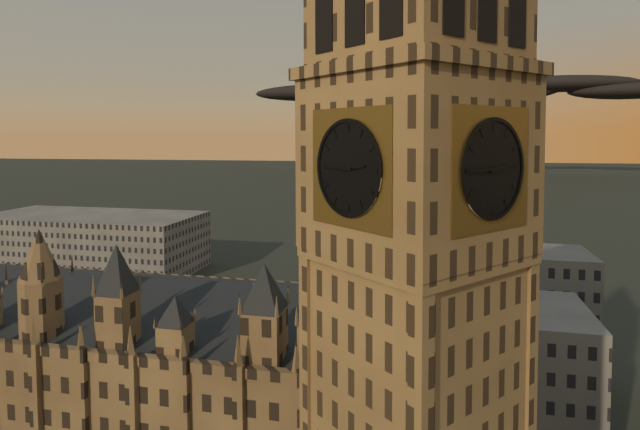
2:45
